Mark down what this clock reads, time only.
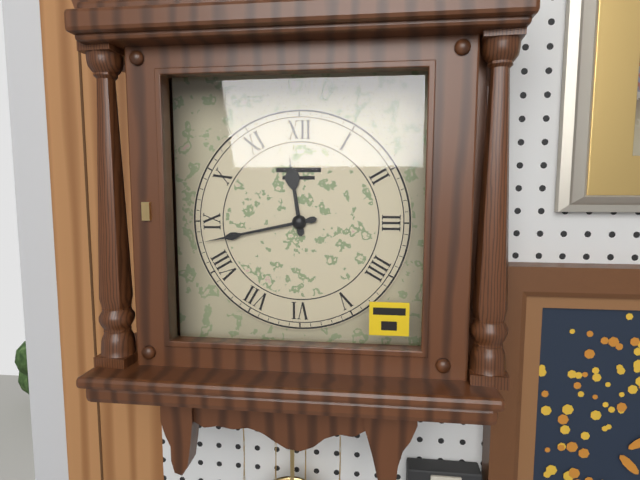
11:43
